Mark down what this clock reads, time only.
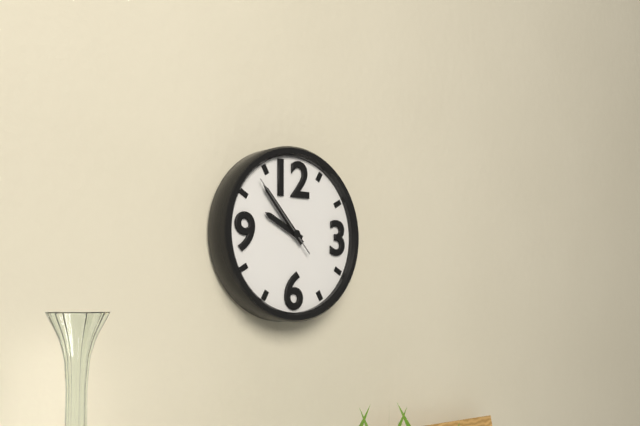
9:53:53
